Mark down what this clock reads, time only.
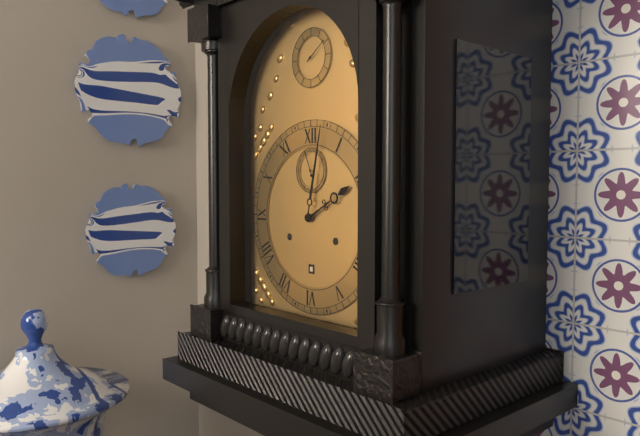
2:02
